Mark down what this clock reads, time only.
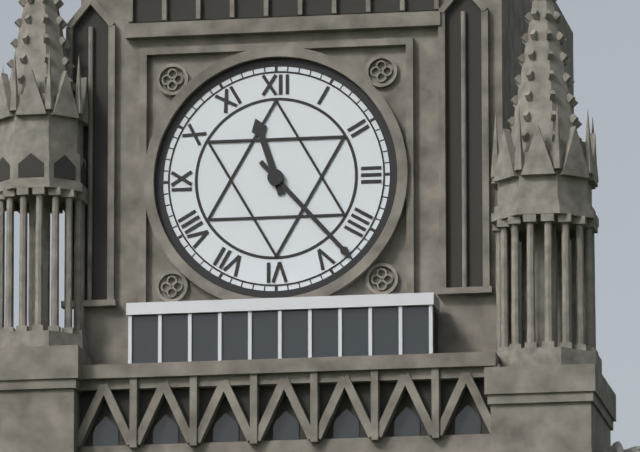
11:23
